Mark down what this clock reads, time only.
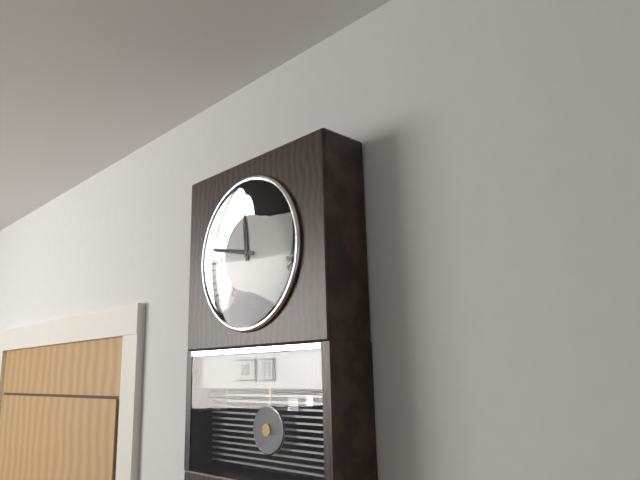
11:47
